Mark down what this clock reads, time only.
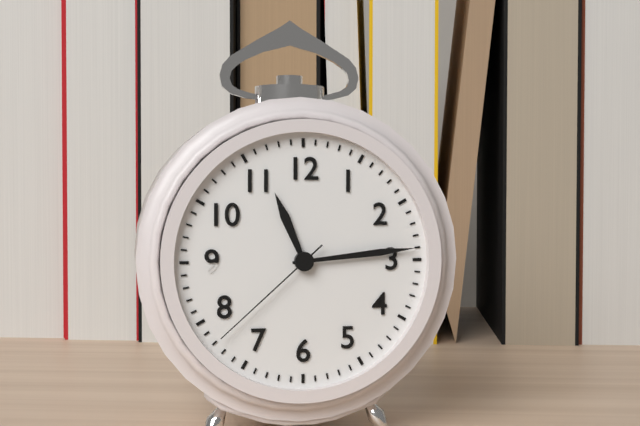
11:14:38
